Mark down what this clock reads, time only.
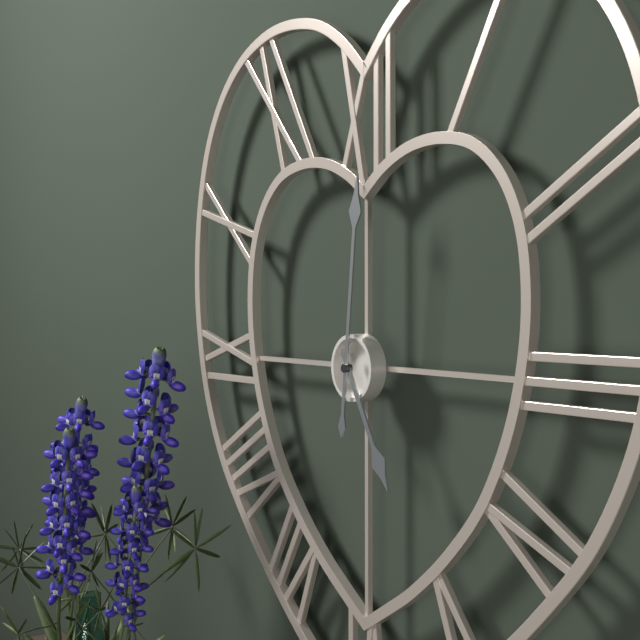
5:01
